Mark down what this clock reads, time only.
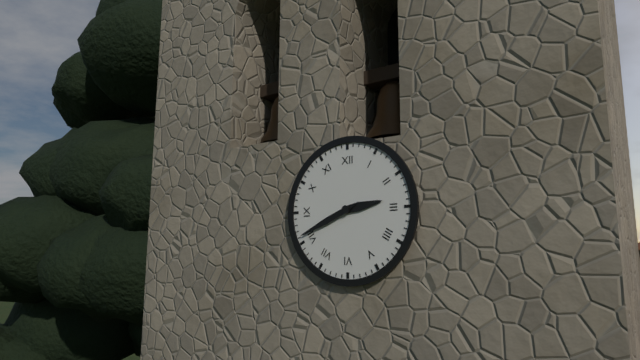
2:41
